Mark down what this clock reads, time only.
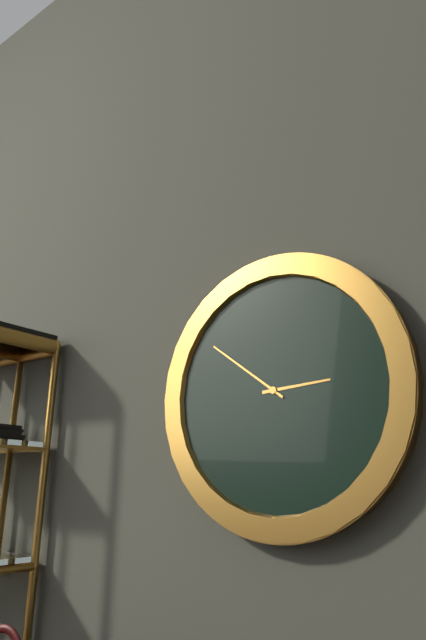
2:51
